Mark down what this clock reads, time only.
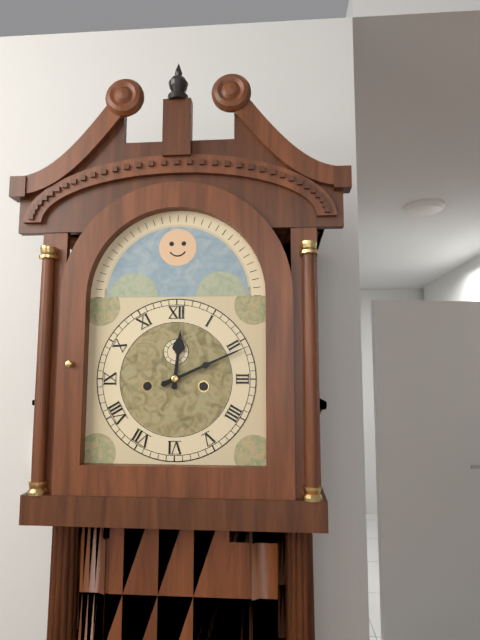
12:11
